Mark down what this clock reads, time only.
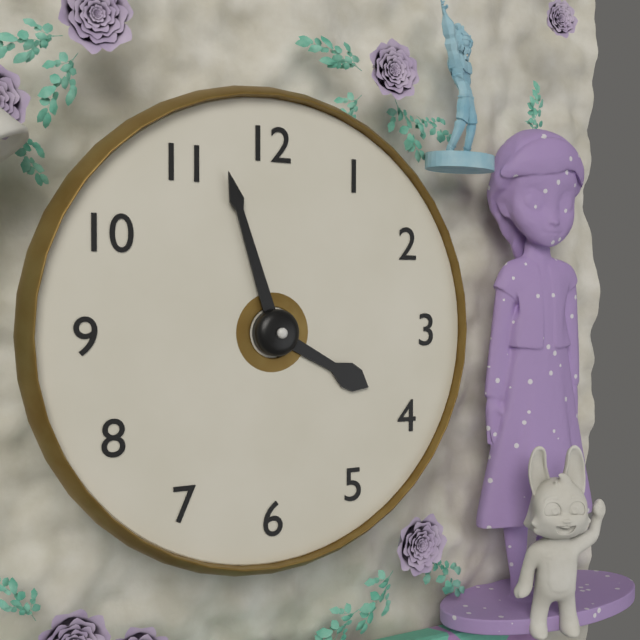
3:57
